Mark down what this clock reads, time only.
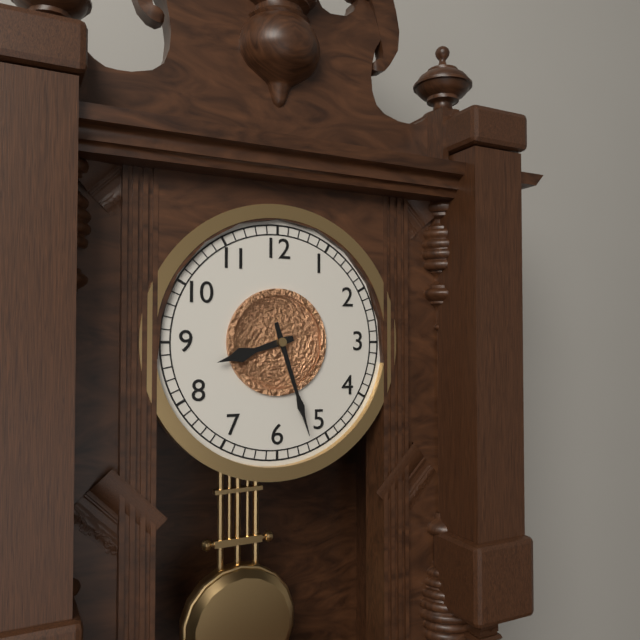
8:27
